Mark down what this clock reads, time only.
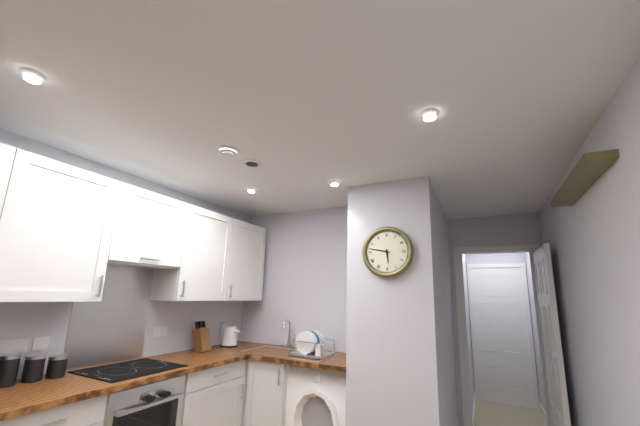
5:47
